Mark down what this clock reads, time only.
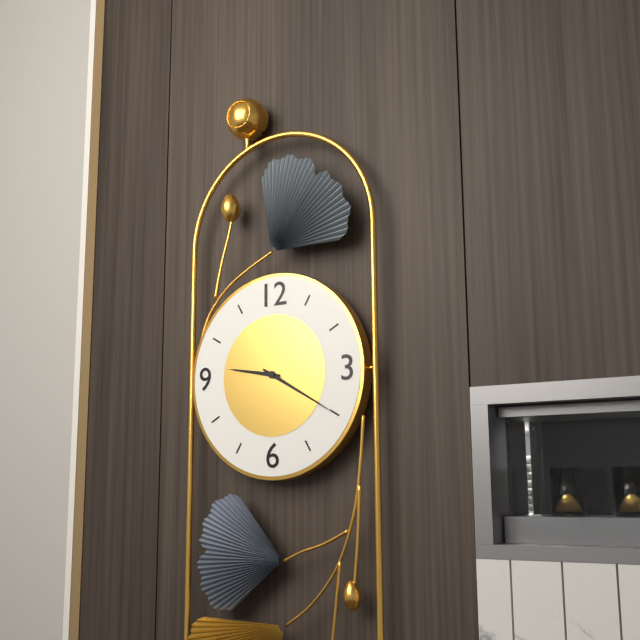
9:20
